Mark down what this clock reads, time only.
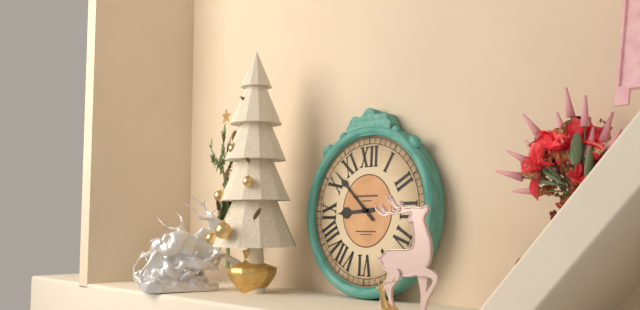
8:52
